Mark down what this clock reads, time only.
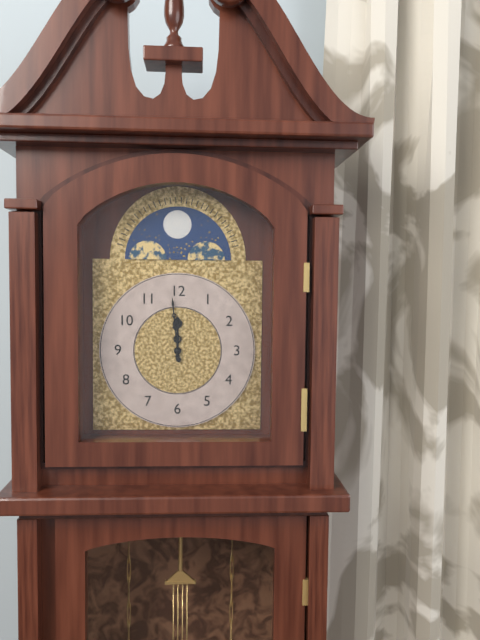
11:59
